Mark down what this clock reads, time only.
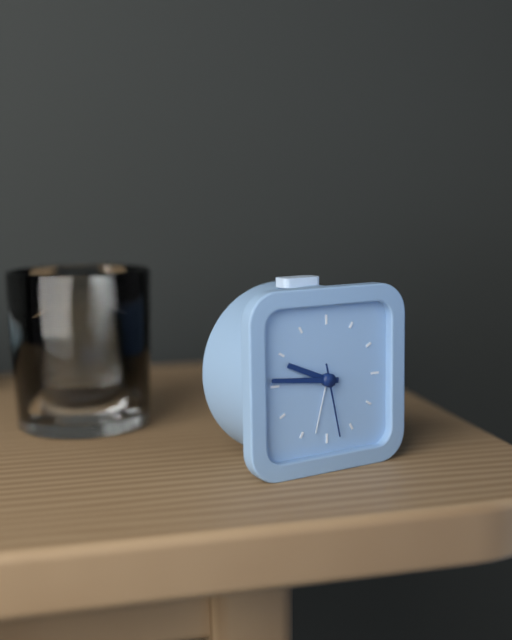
9:46:28
